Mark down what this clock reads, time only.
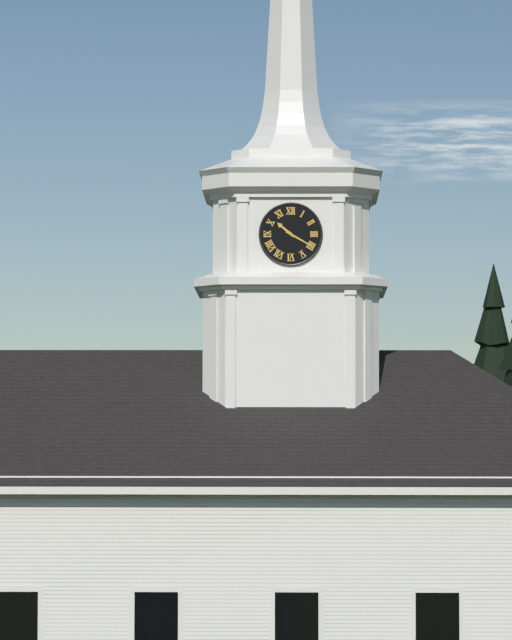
10:20
